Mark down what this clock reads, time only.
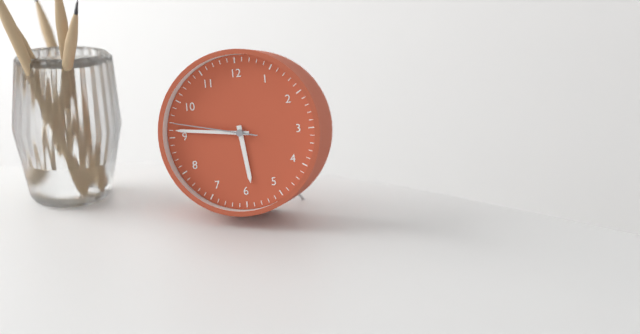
5:46:47
